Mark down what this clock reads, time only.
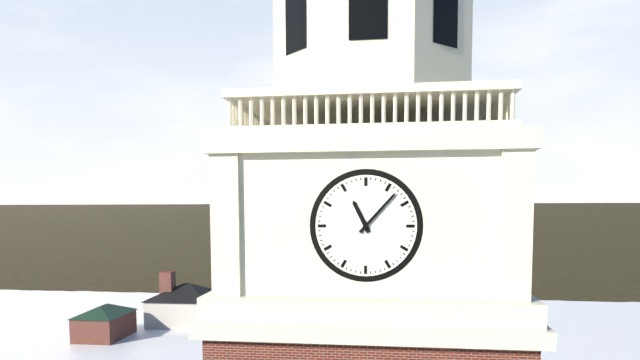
11:07
